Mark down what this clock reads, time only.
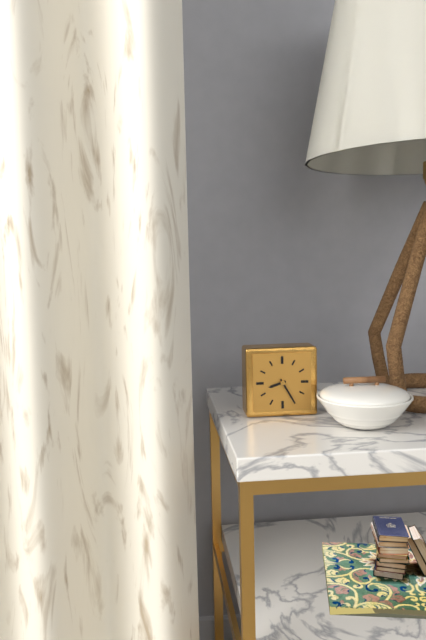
8:25
